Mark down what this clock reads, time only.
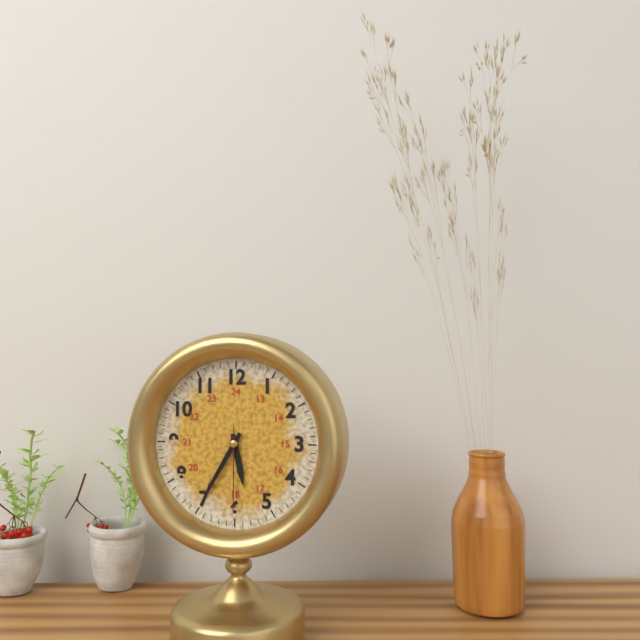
5:35:30
